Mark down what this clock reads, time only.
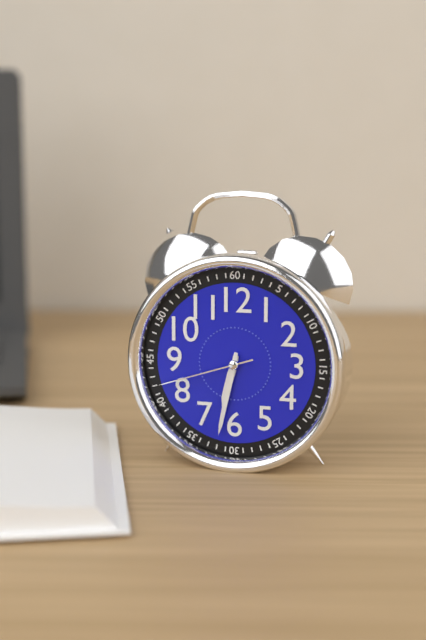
6:32:42
